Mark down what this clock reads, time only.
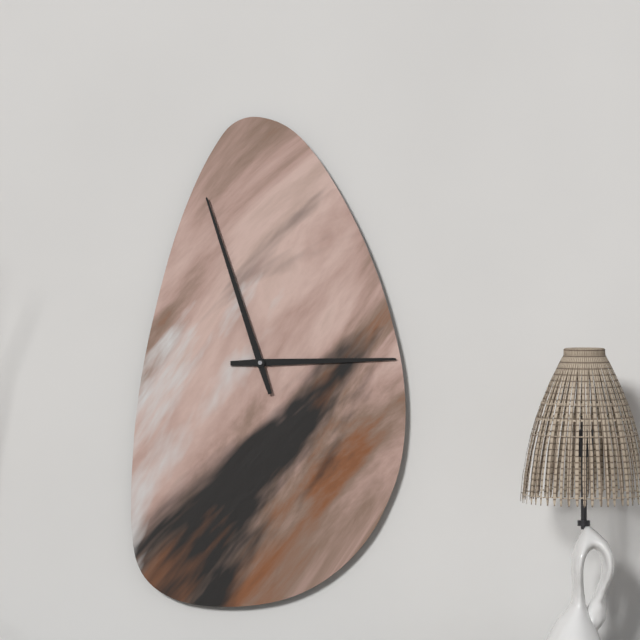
2:57
